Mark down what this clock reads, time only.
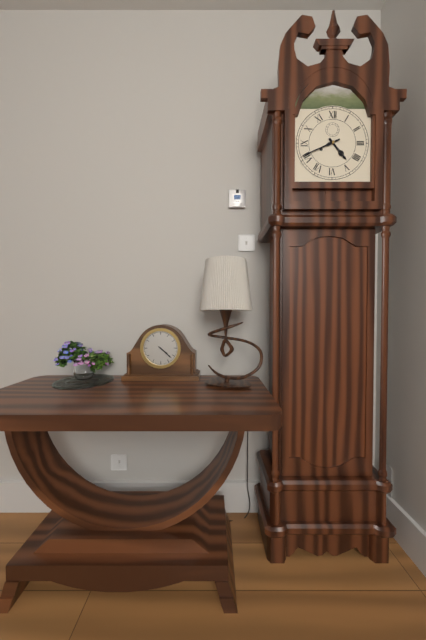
4:41
